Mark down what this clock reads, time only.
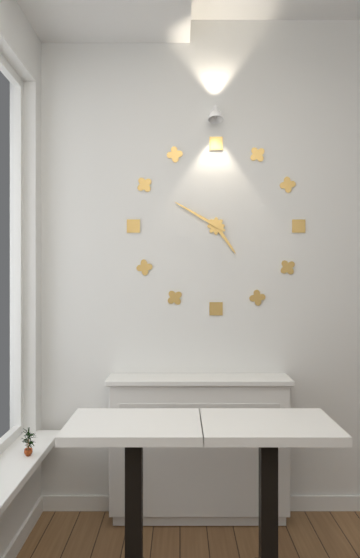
4:50
